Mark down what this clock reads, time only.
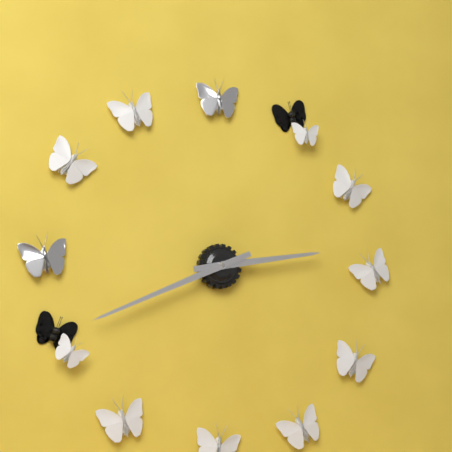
2:41
